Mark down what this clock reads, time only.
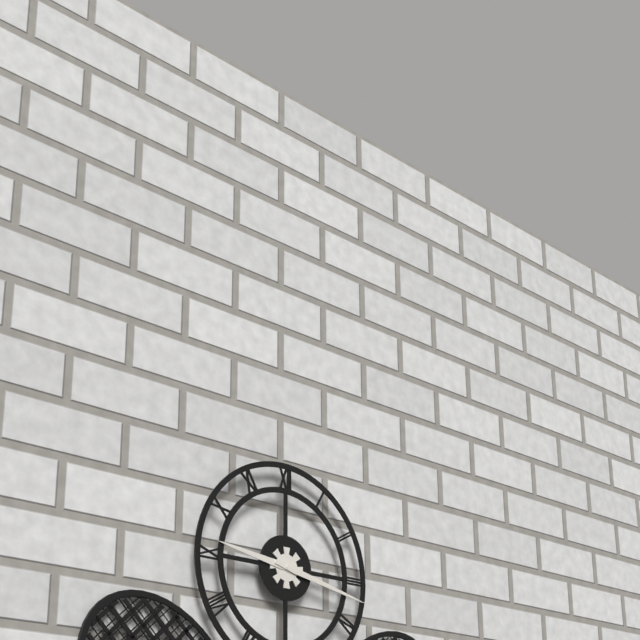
9:17
